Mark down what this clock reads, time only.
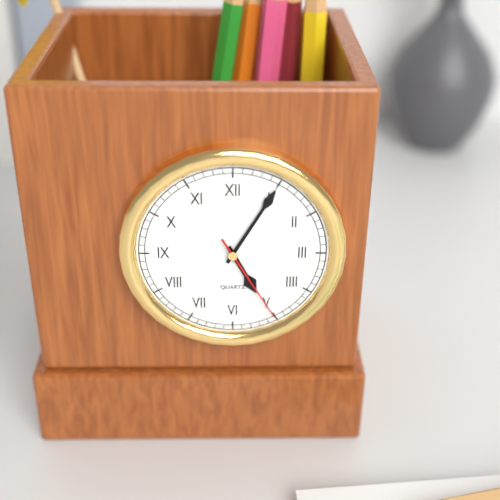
5:05:25
